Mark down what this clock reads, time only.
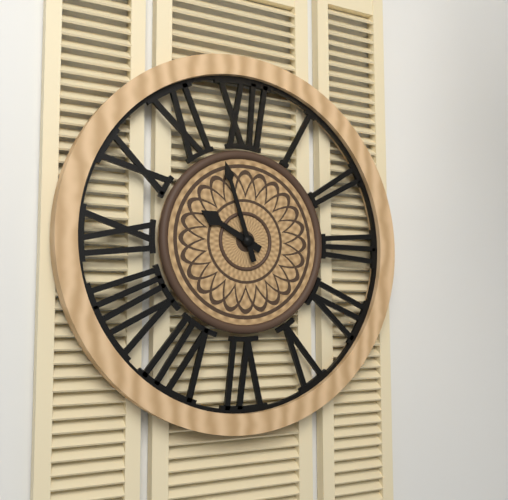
9:57
